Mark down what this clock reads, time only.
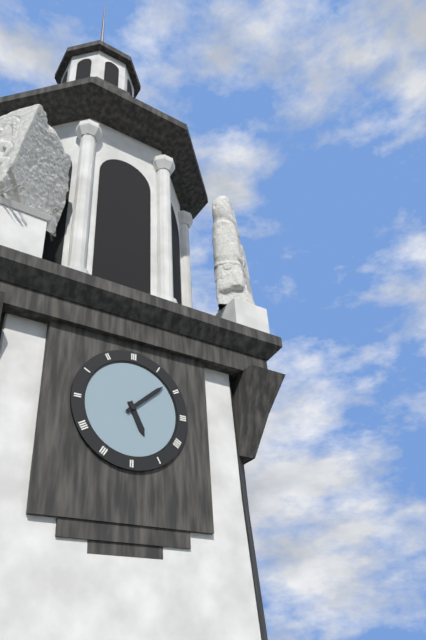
5:08
